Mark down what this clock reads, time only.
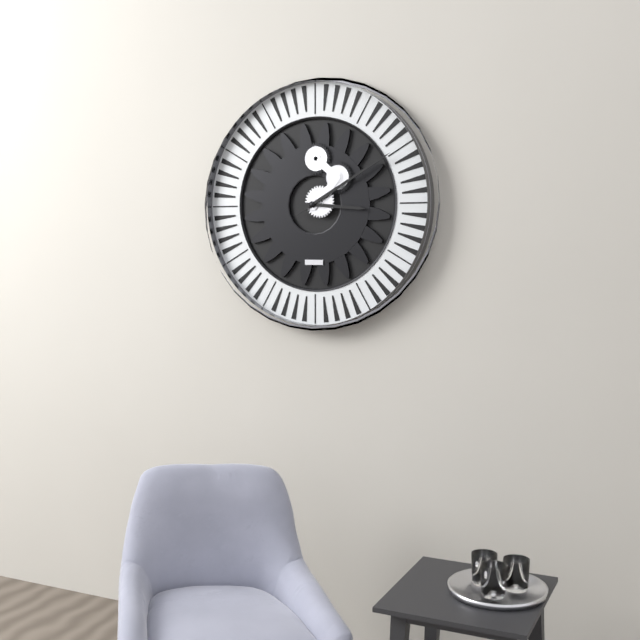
3:10
